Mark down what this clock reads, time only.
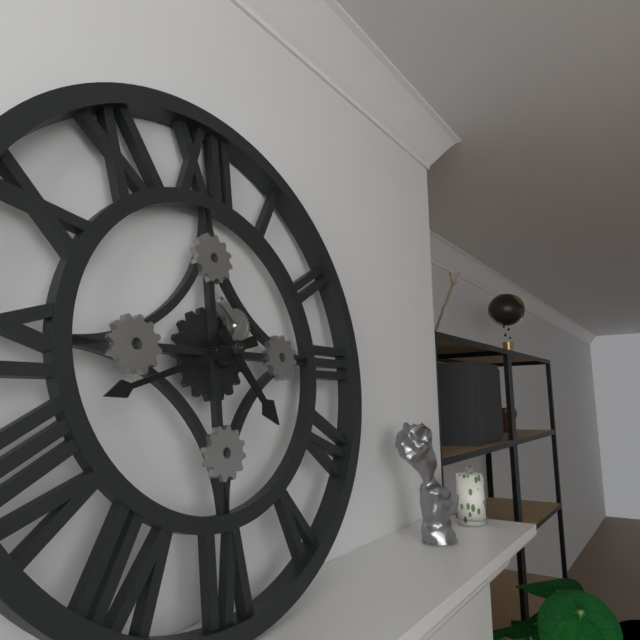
4:42
